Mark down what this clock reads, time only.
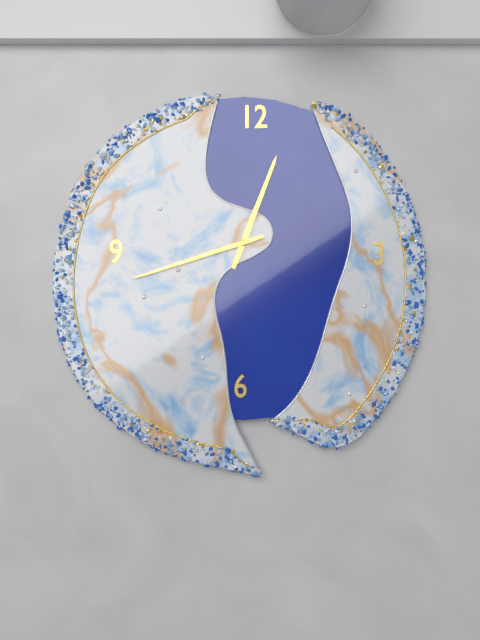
12:42
